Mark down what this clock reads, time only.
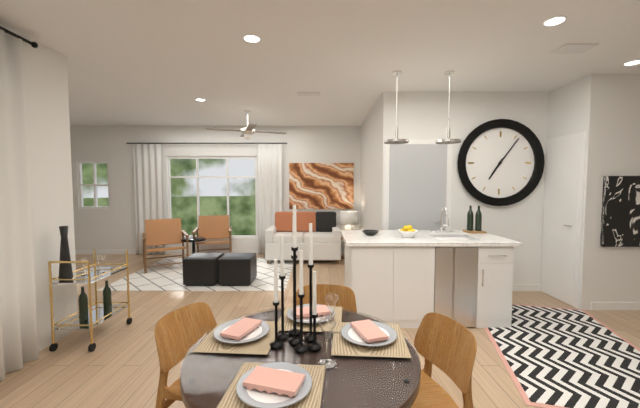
7:06
